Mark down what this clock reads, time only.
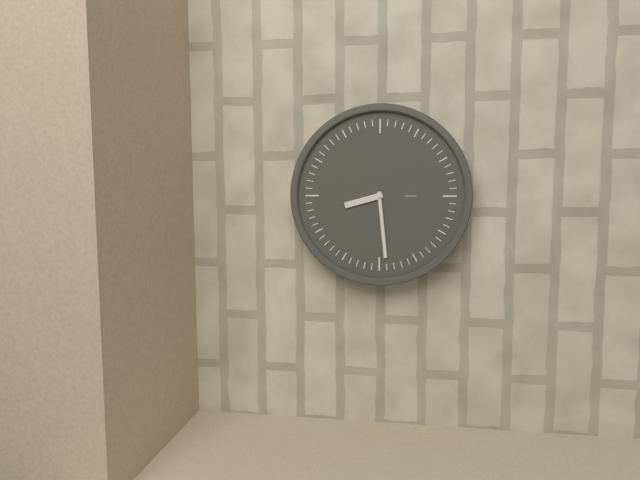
8:29
